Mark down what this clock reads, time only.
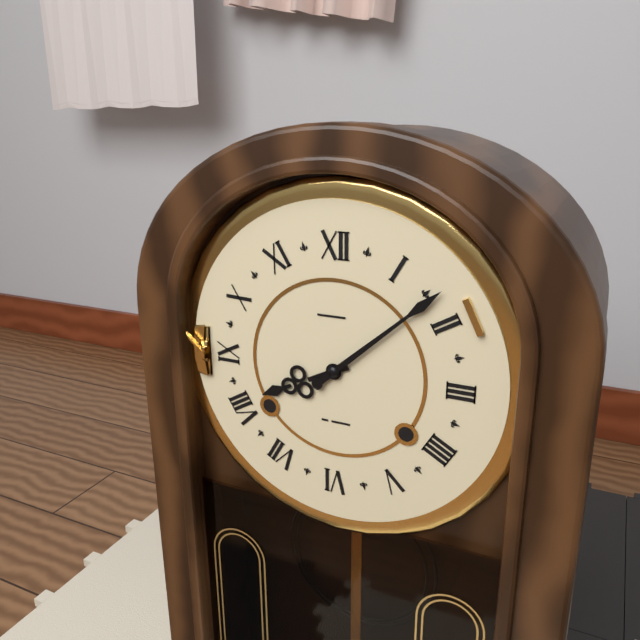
8:08
